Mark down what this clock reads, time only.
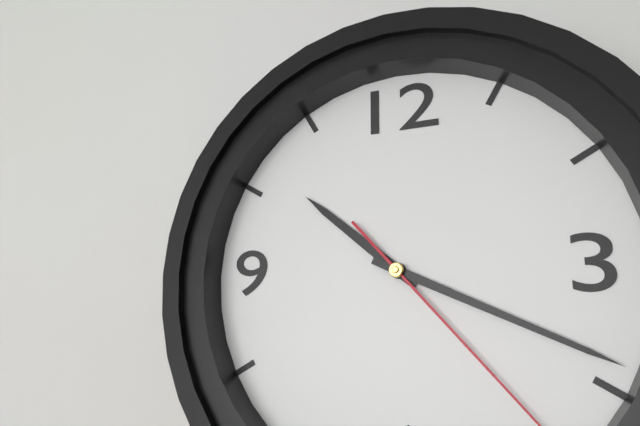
10:19
